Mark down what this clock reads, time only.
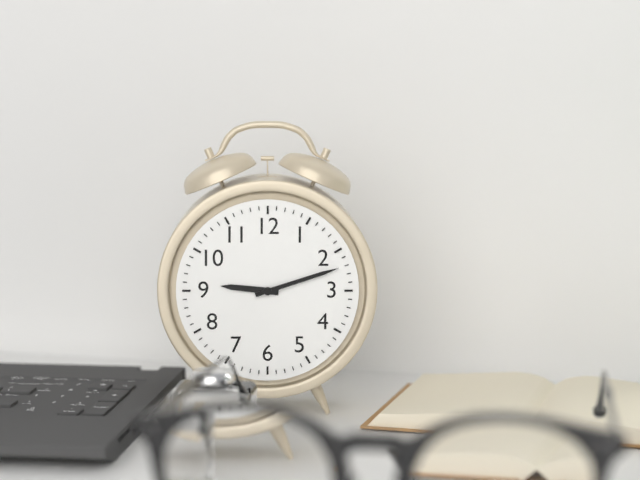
9:12
